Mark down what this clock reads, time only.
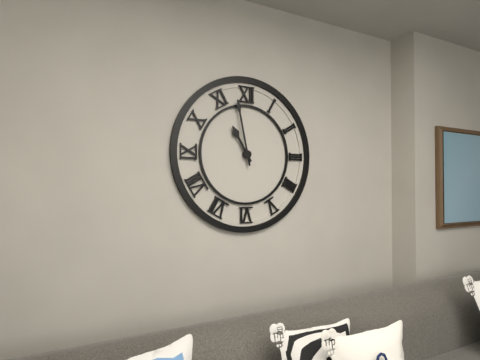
10:58
